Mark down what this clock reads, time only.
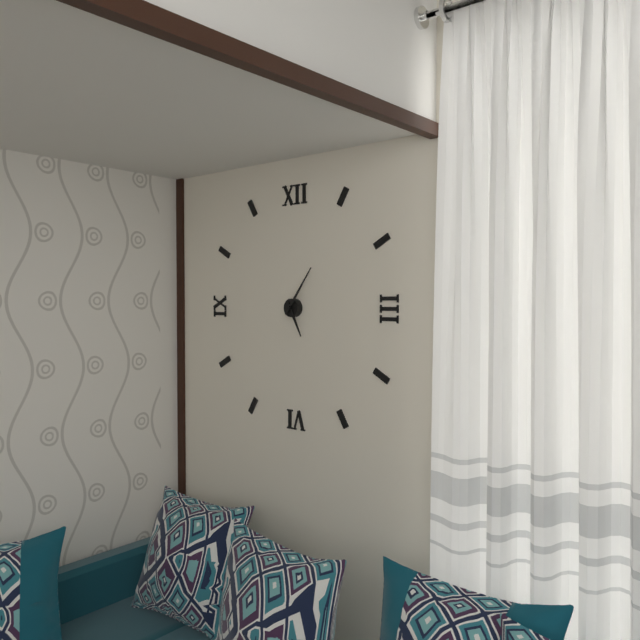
5:06
